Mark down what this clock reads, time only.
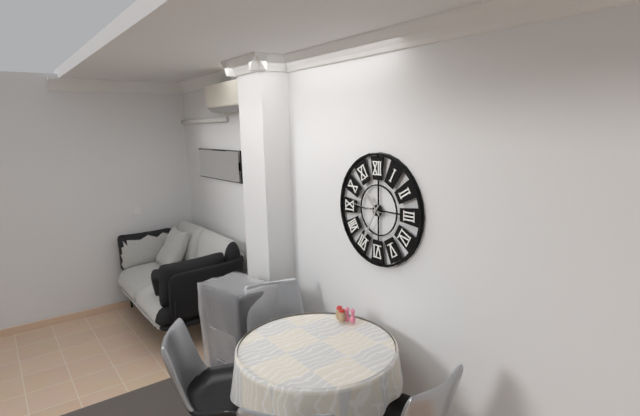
10:35
